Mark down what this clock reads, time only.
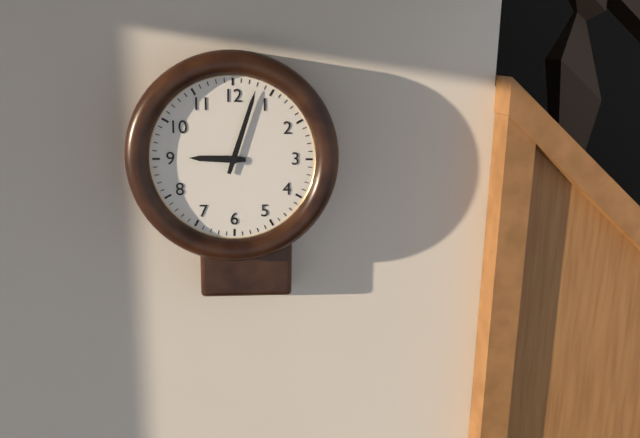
9:03
